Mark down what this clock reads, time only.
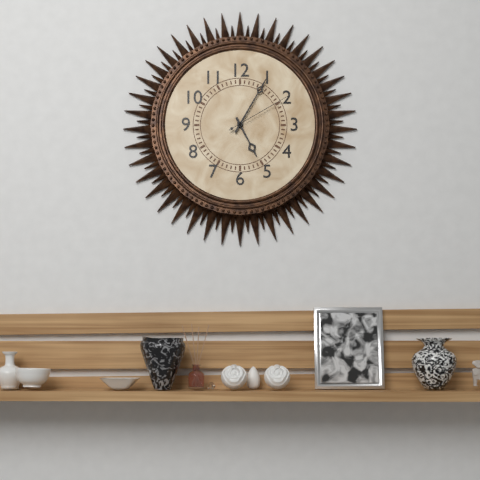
5:05:10
